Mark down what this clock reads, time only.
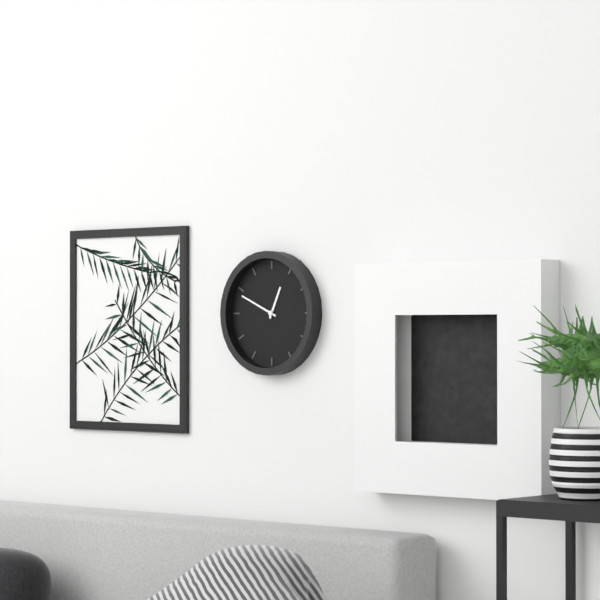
12:49
